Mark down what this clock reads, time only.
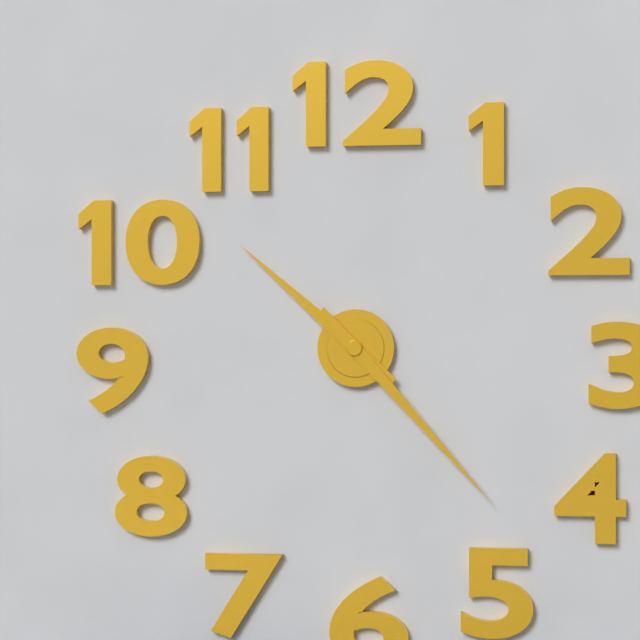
10:23
